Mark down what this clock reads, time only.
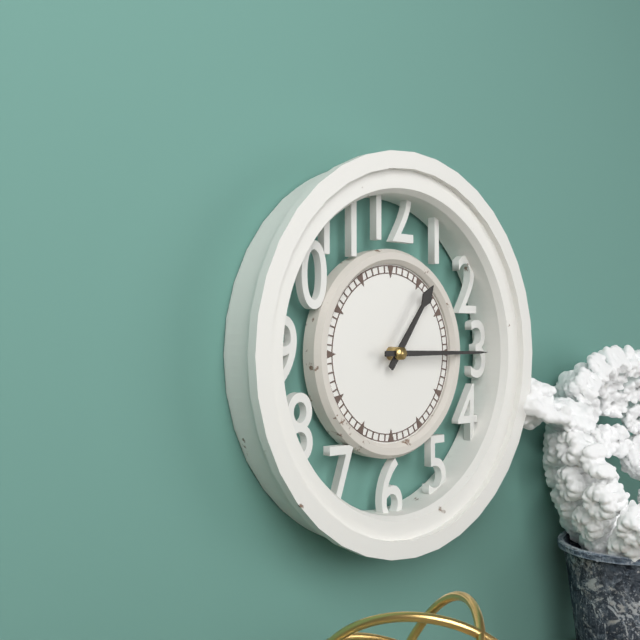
1:15
